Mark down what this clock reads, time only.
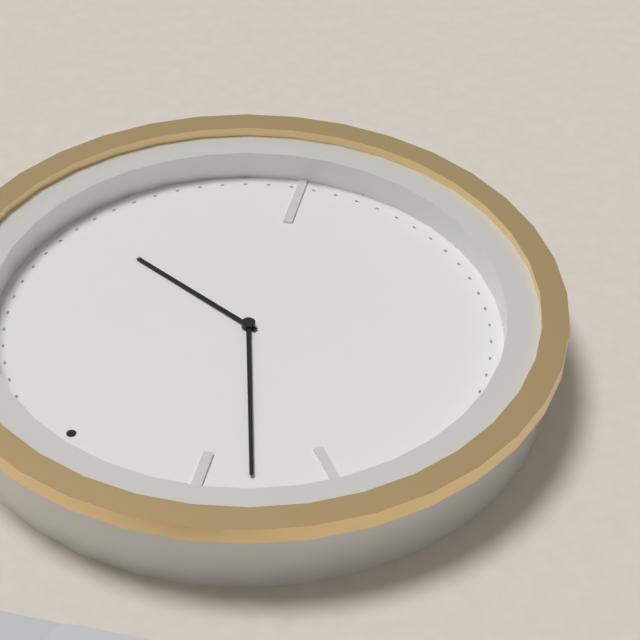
2:52
